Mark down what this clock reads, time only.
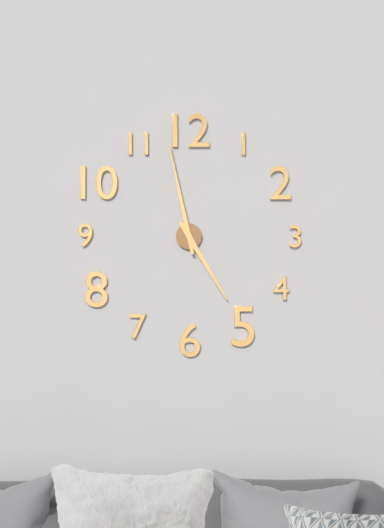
4:58
